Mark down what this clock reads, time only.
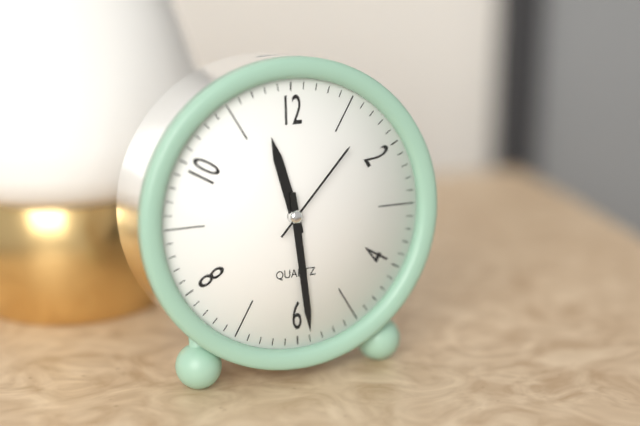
11:29:07
